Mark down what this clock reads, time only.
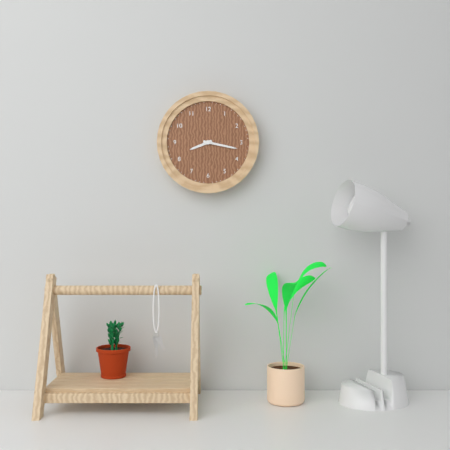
8:17
